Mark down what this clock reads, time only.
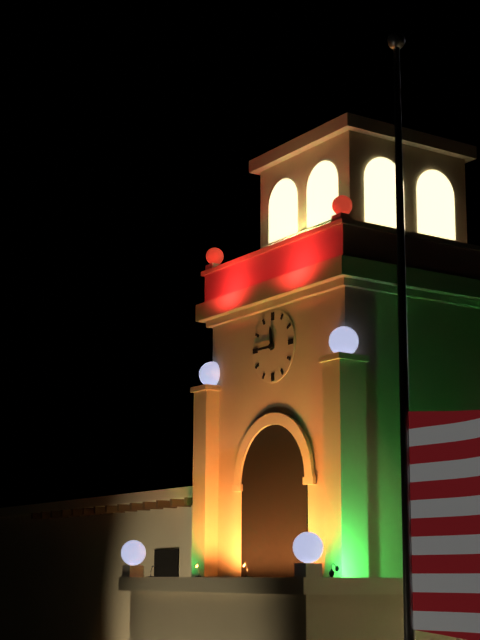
11:45
